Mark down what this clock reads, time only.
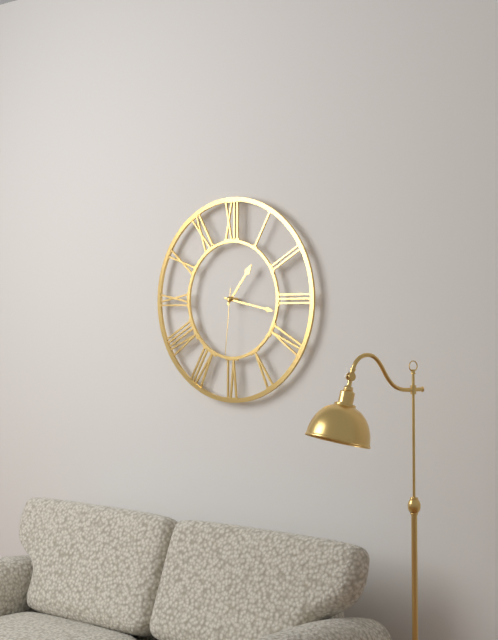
1:17:31
